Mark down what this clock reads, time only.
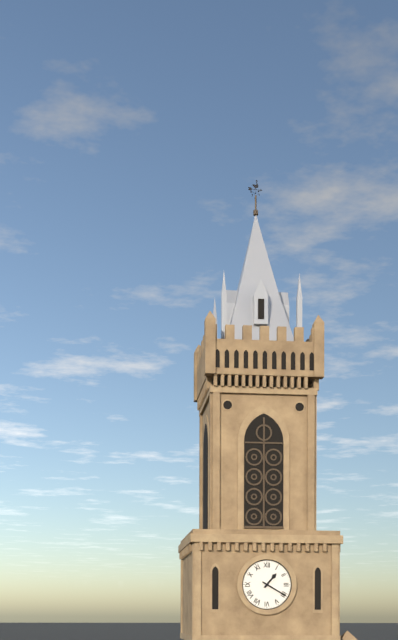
1:20
